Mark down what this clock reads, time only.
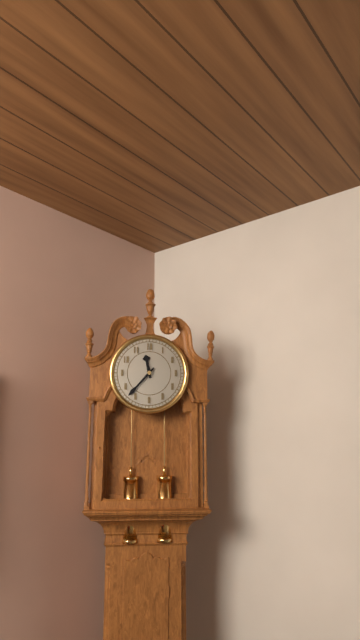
11:37
